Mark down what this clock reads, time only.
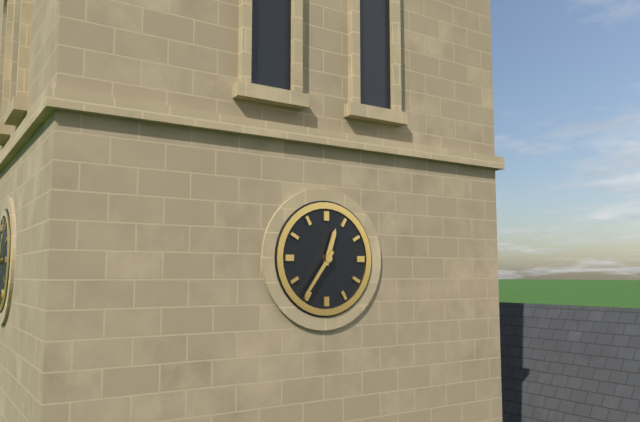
12:36
